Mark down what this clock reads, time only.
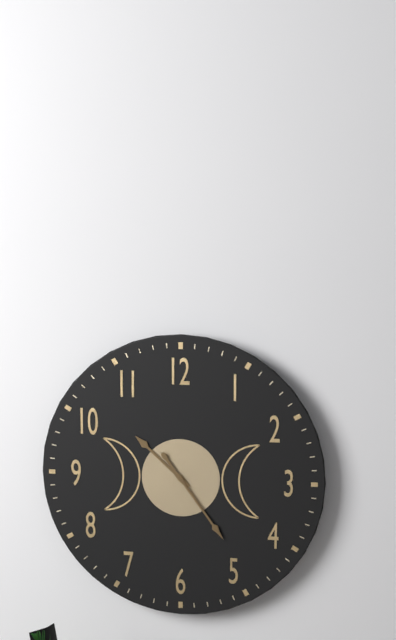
10:24
